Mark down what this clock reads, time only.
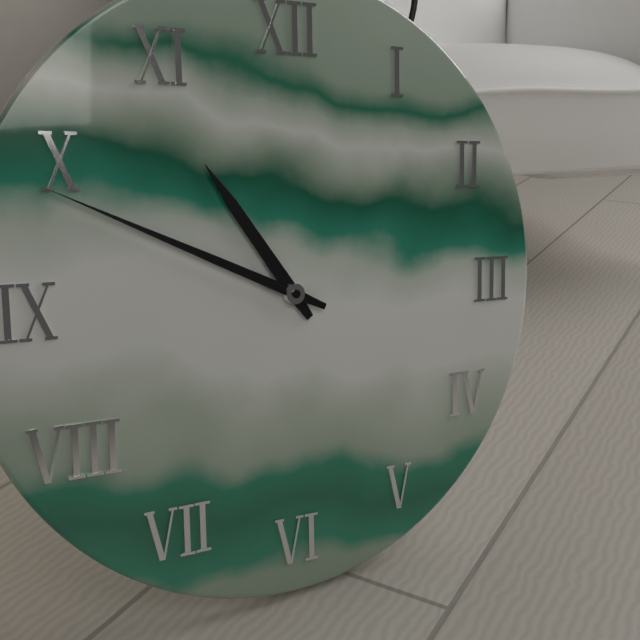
10:49
